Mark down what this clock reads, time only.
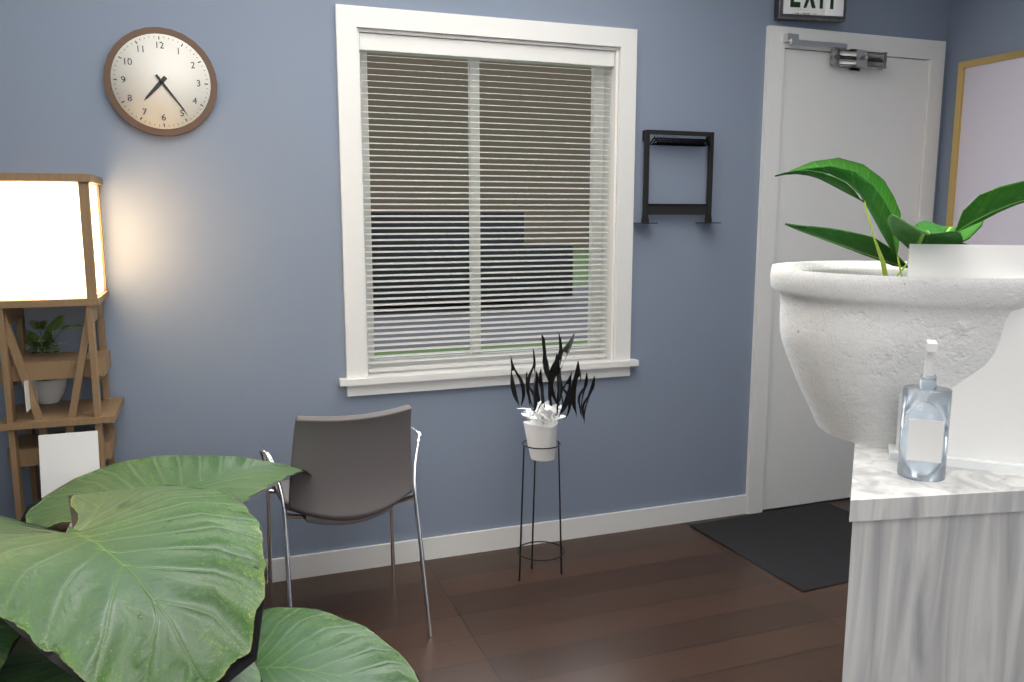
7:24
